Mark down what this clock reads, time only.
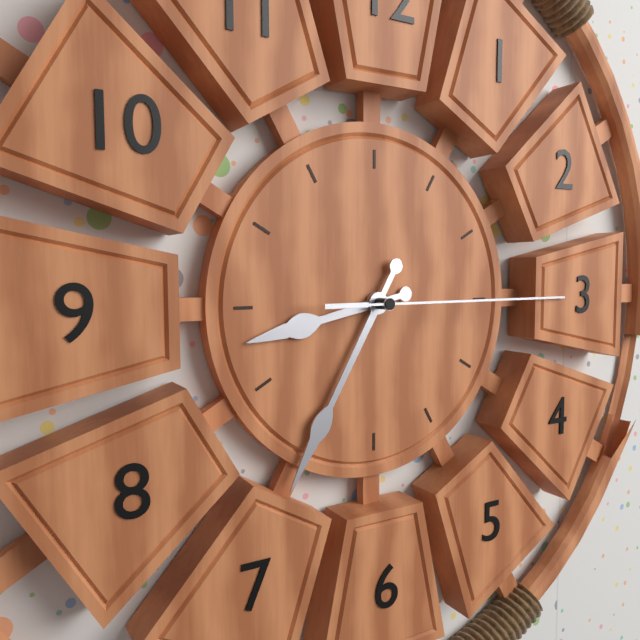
8:35:15
